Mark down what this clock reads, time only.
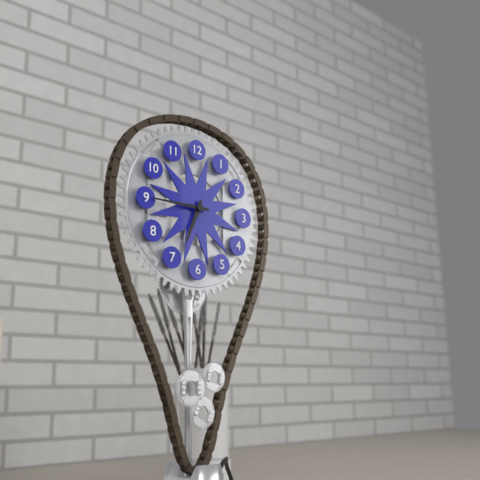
6:45
